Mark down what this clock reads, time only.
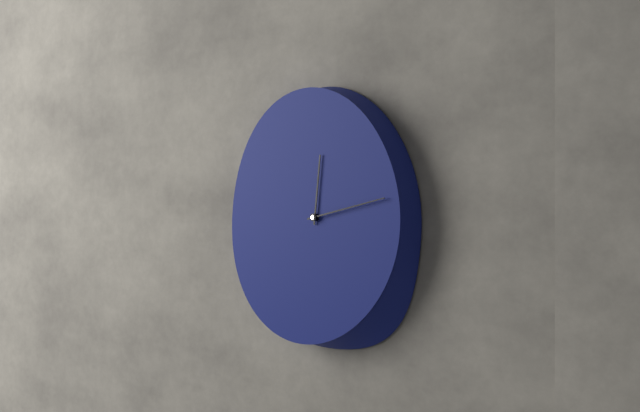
12:13
